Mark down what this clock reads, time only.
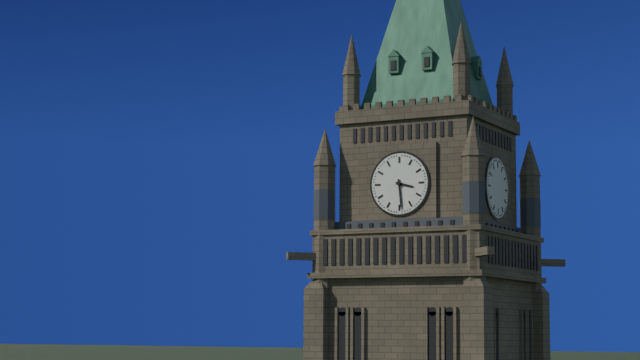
3:29
